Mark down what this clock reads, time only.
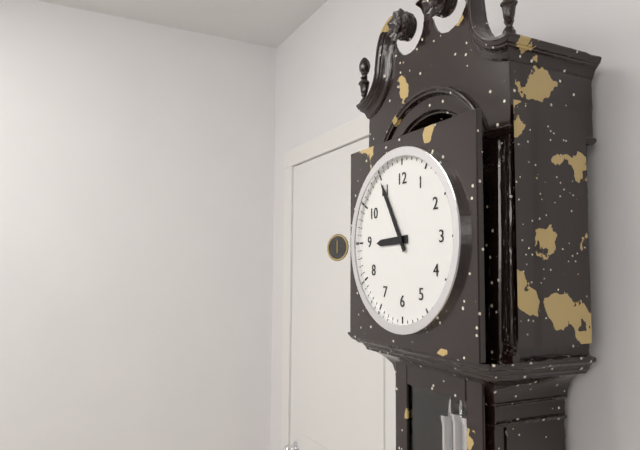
8:55
